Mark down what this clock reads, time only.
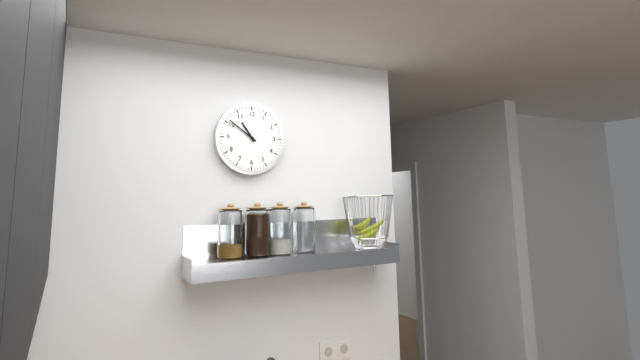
10:51
